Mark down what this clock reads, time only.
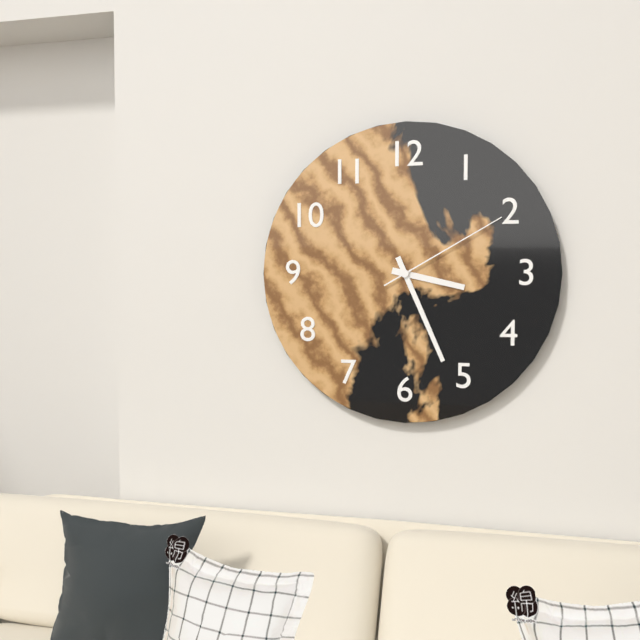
3:26:10
